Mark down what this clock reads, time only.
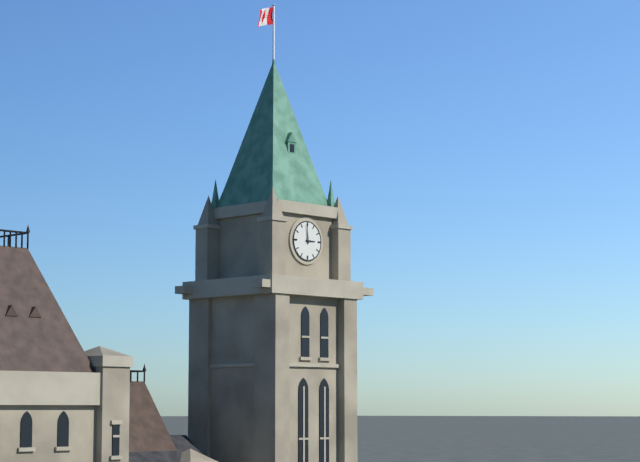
2:59
